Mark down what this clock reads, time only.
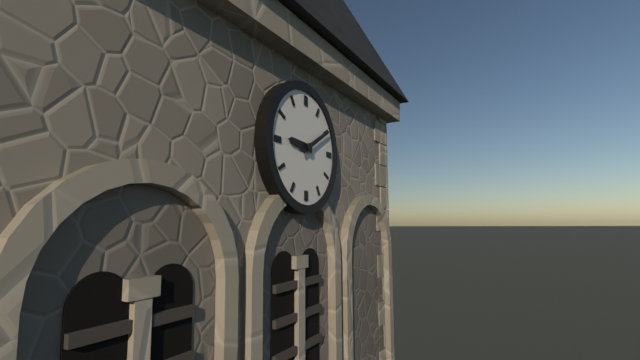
9:10
